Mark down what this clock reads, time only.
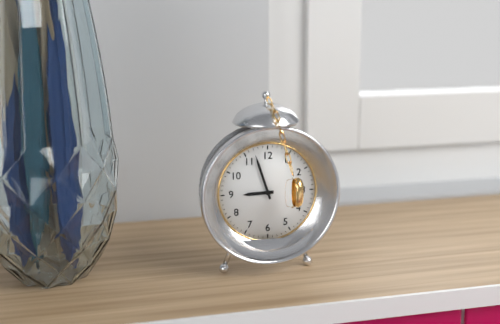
8:57
